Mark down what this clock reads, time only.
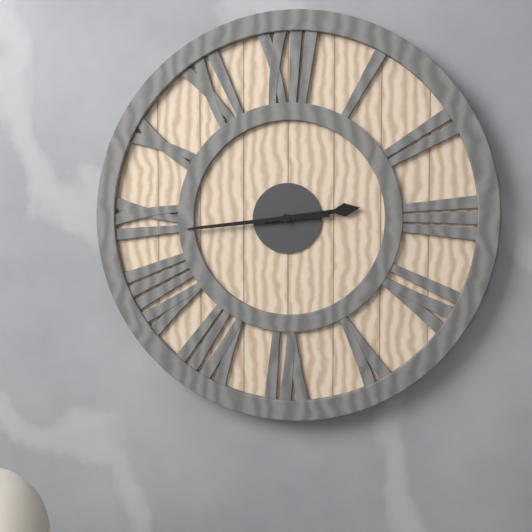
2:44
